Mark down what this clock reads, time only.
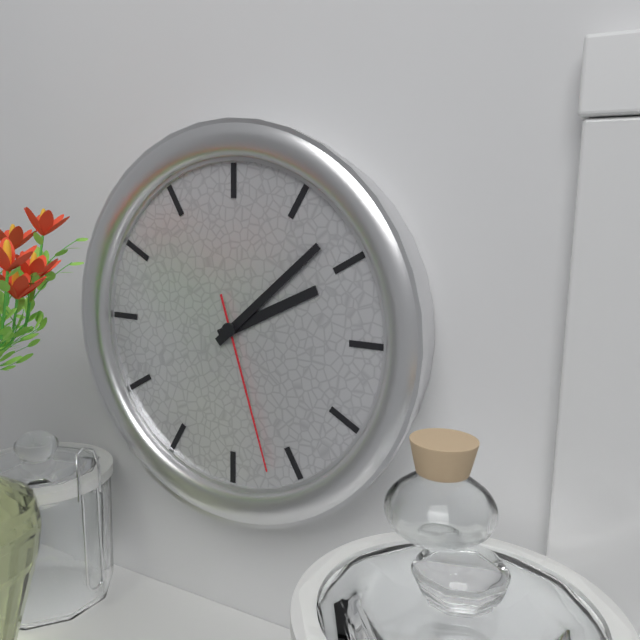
2:08:27
